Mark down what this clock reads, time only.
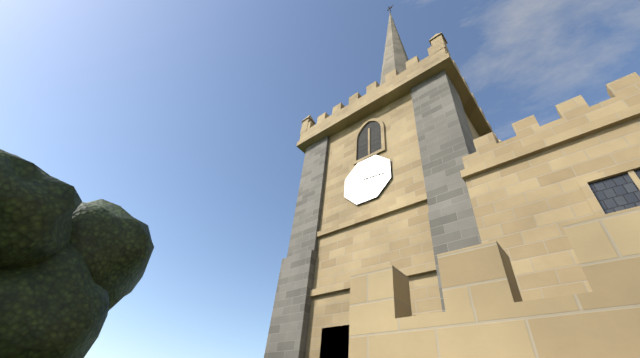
5:16
